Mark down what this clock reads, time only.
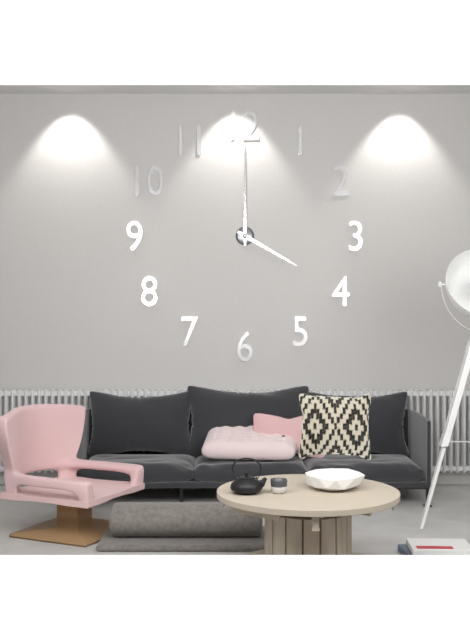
4:00
